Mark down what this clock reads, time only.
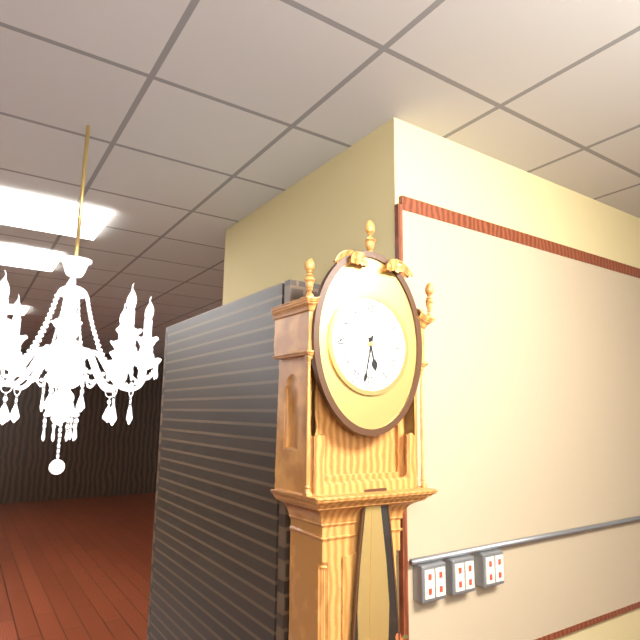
5:32
